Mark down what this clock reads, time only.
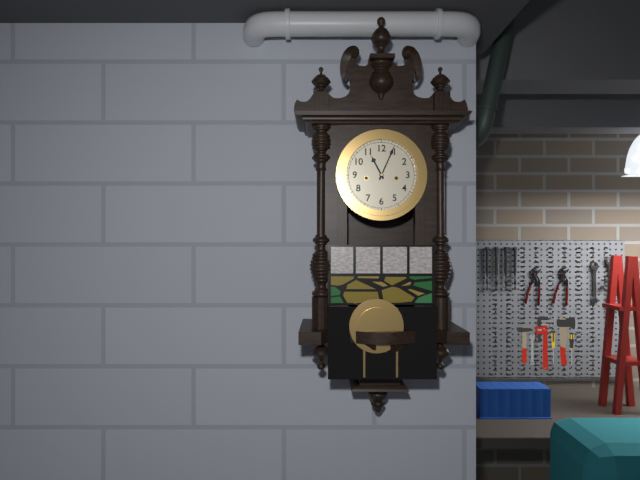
11:04
